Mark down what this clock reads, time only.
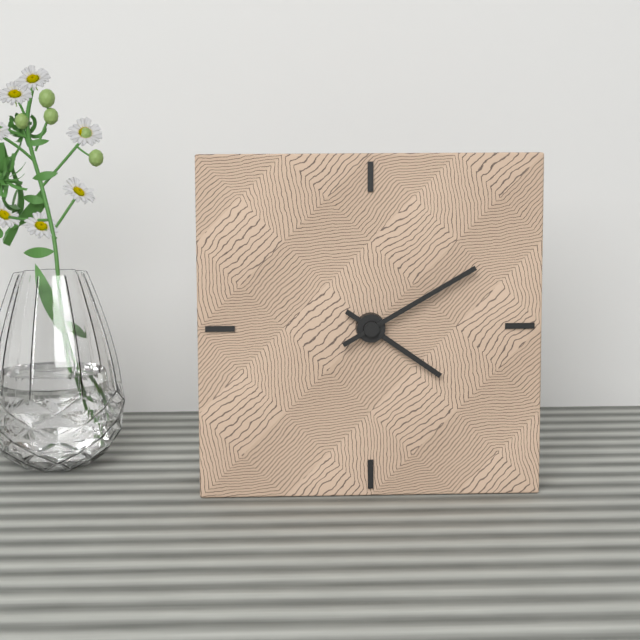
4:10
